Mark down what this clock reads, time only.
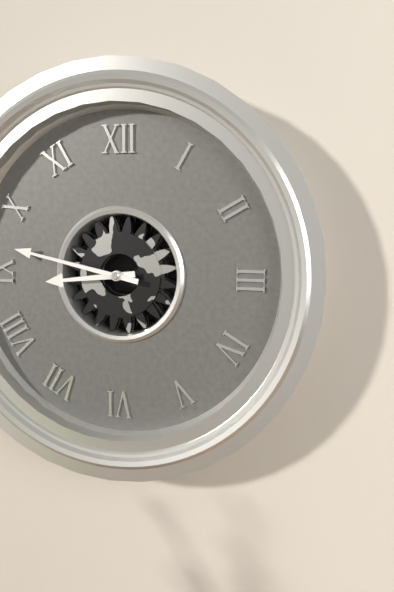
8:47
